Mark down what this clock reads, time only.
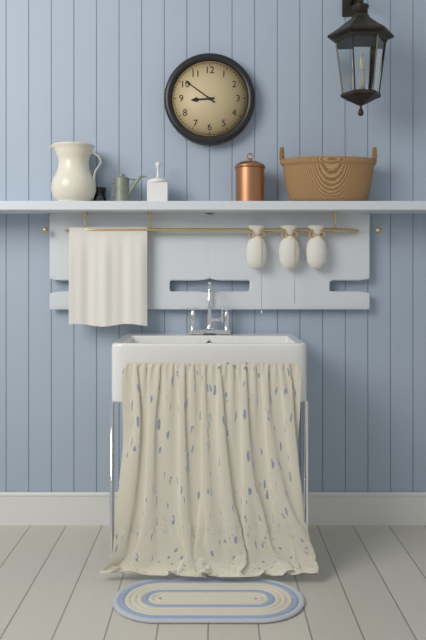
8:51
